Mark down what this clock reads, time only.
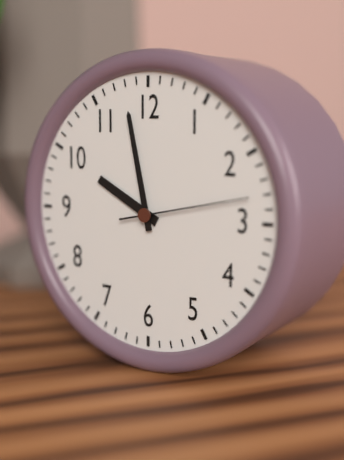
9:58:13
